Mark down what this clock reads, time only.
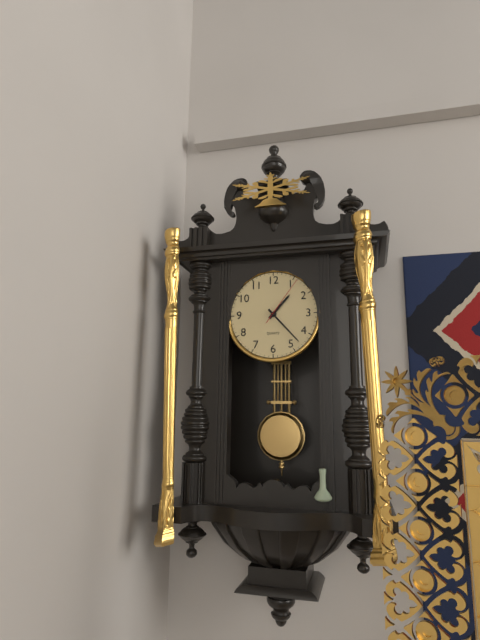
1:23:06
